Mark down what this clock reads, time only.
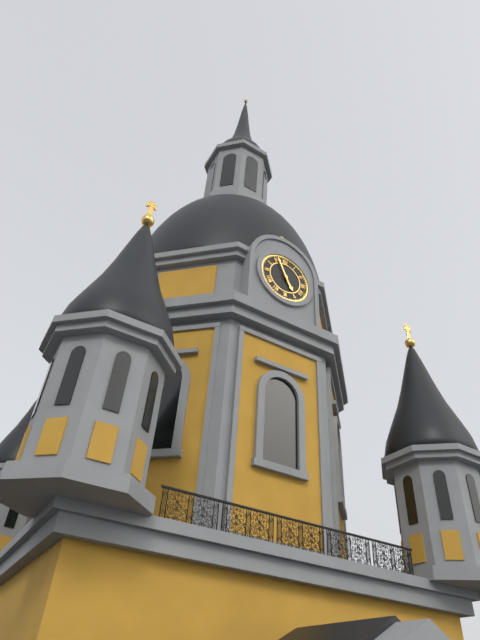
4:56
